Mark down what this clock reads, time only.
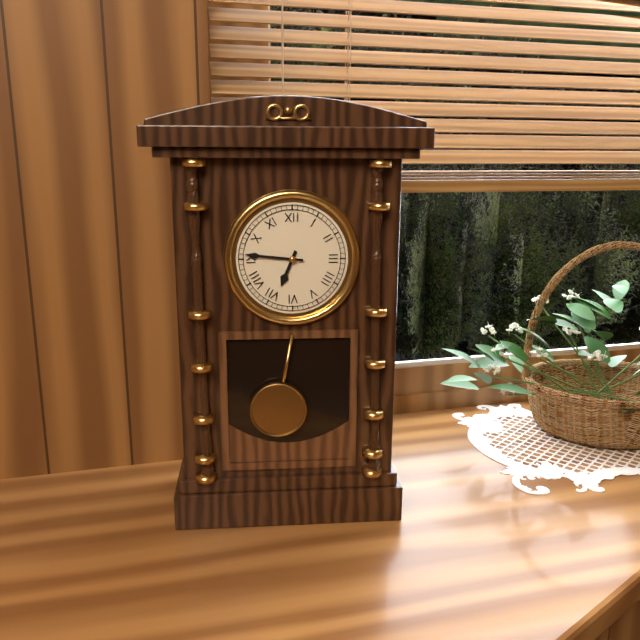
6:46
